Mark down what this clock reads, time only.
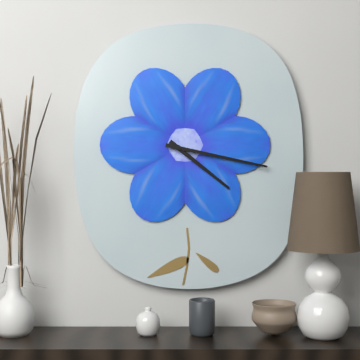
4:17
